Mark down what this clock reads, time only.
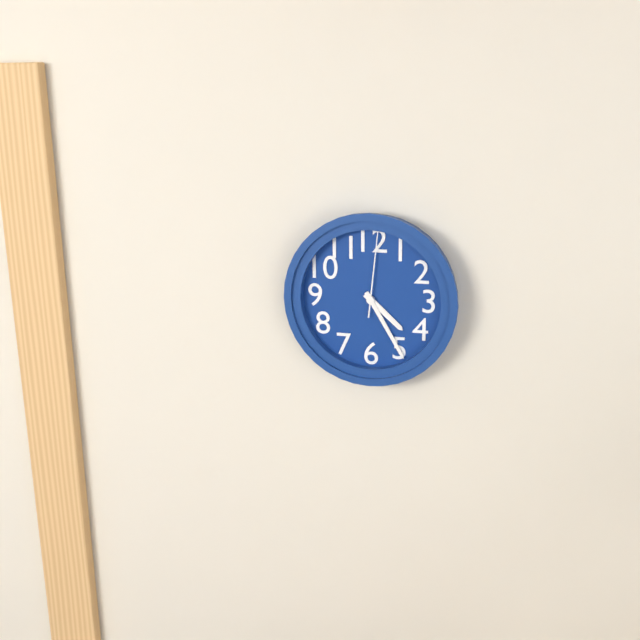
4:25:01
